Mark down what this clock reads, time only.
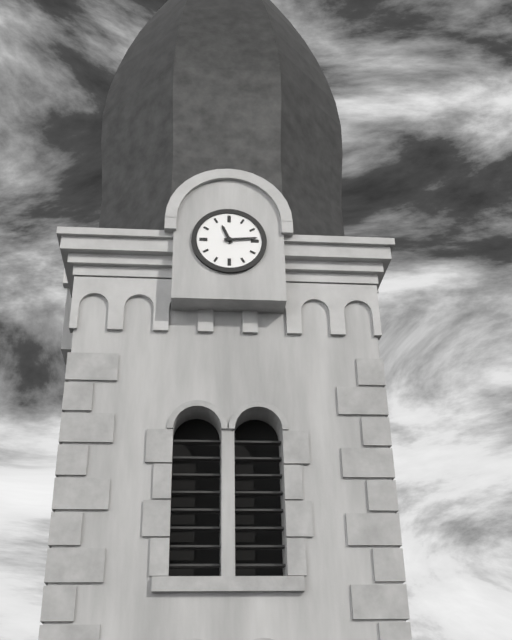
11:14
